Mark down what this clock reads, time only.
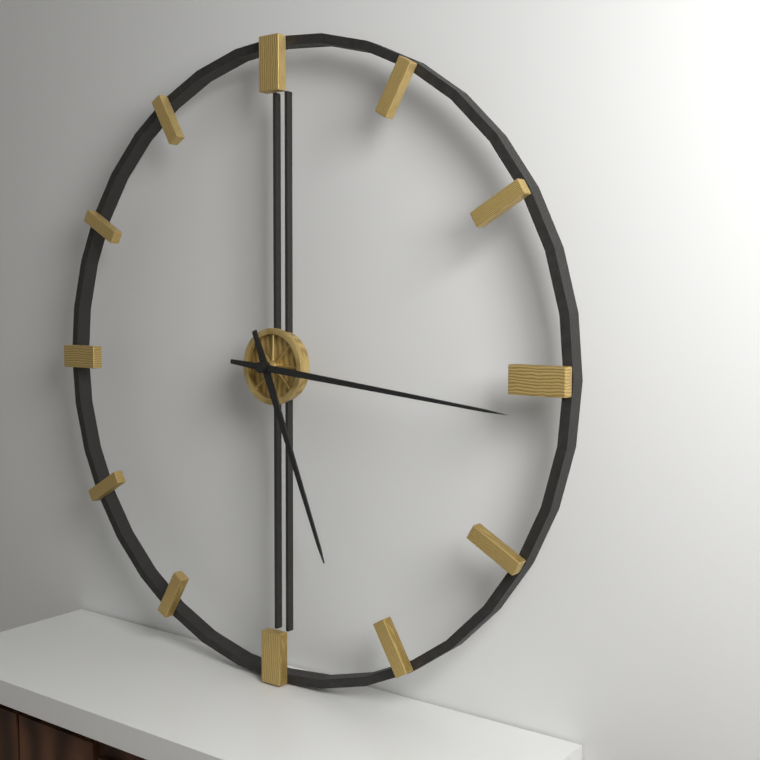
5:16
